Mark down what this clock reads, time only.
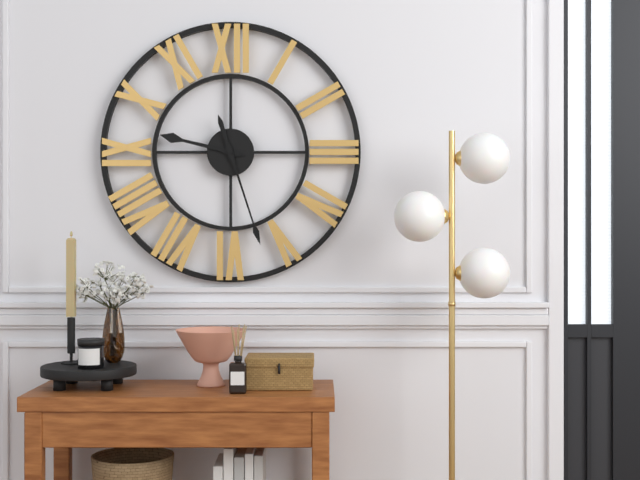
9:27
